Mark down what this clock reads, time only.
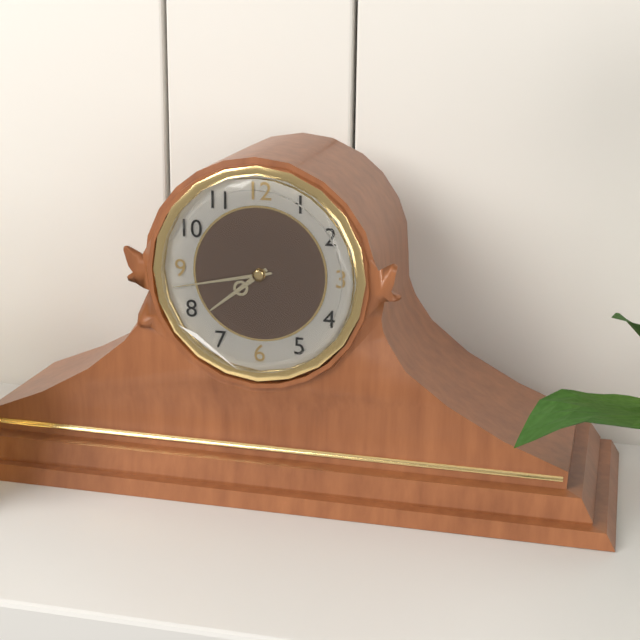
7:43
